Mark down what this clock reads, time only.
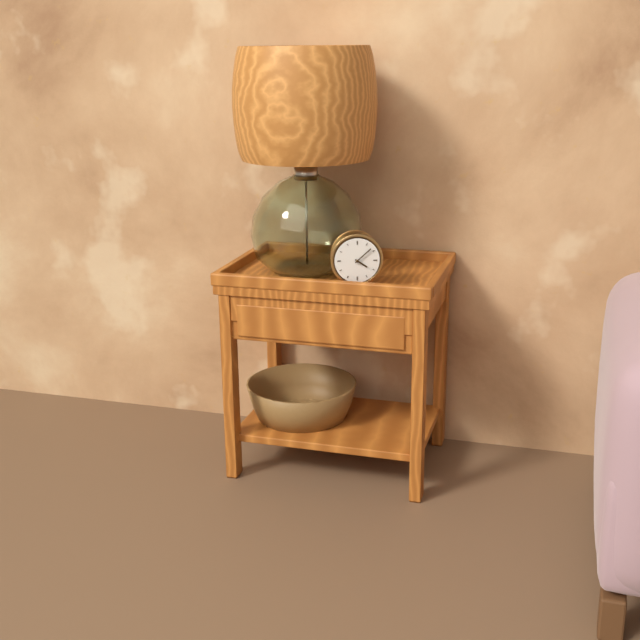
4:08
